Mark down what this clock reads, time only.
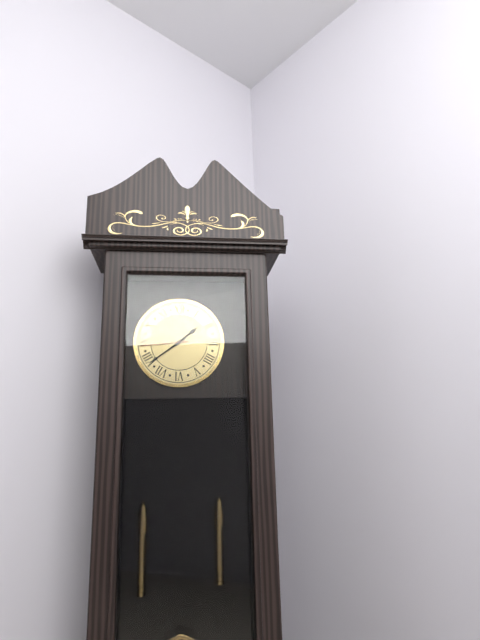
1:39
